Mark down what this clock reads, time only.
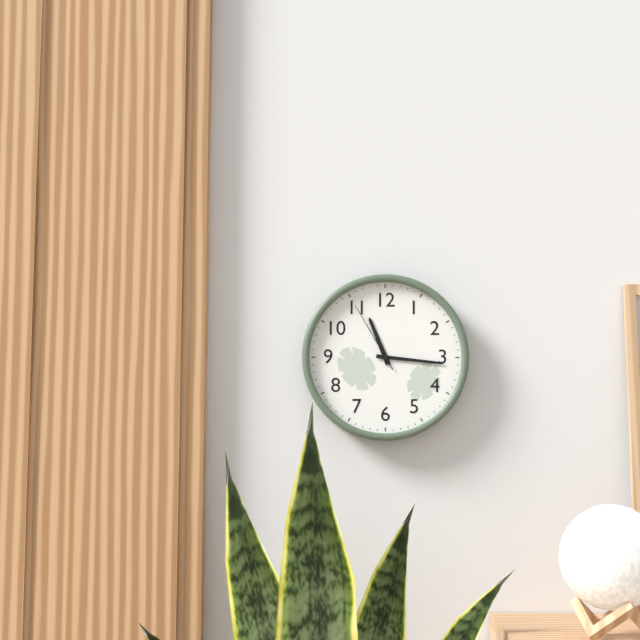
11:16:55
